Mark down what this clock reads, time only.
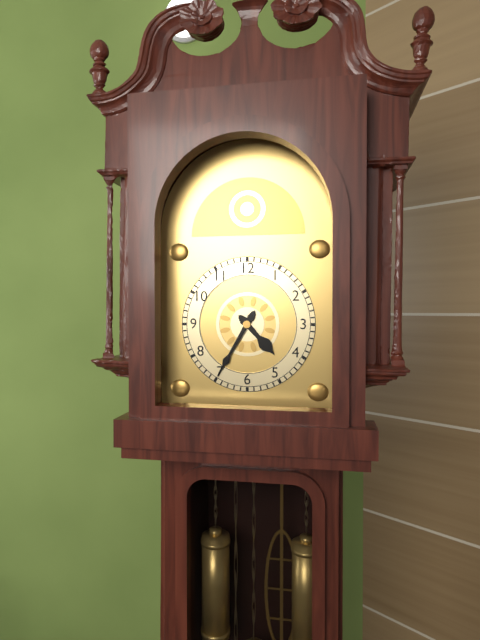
4:35
